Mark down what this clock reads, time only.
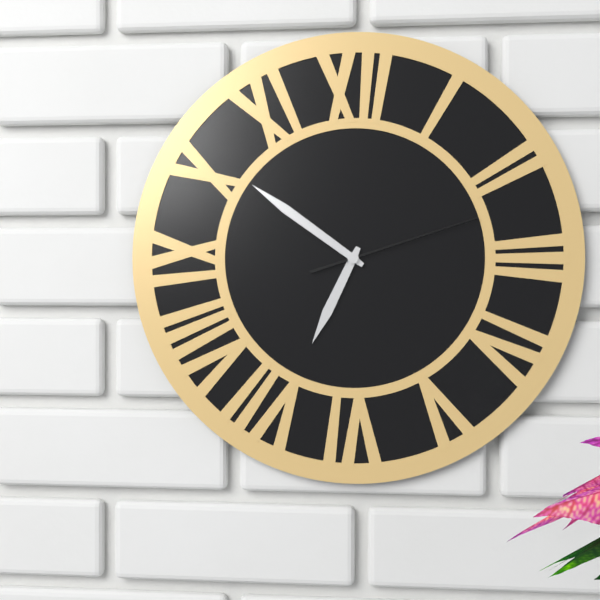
6:51:12
